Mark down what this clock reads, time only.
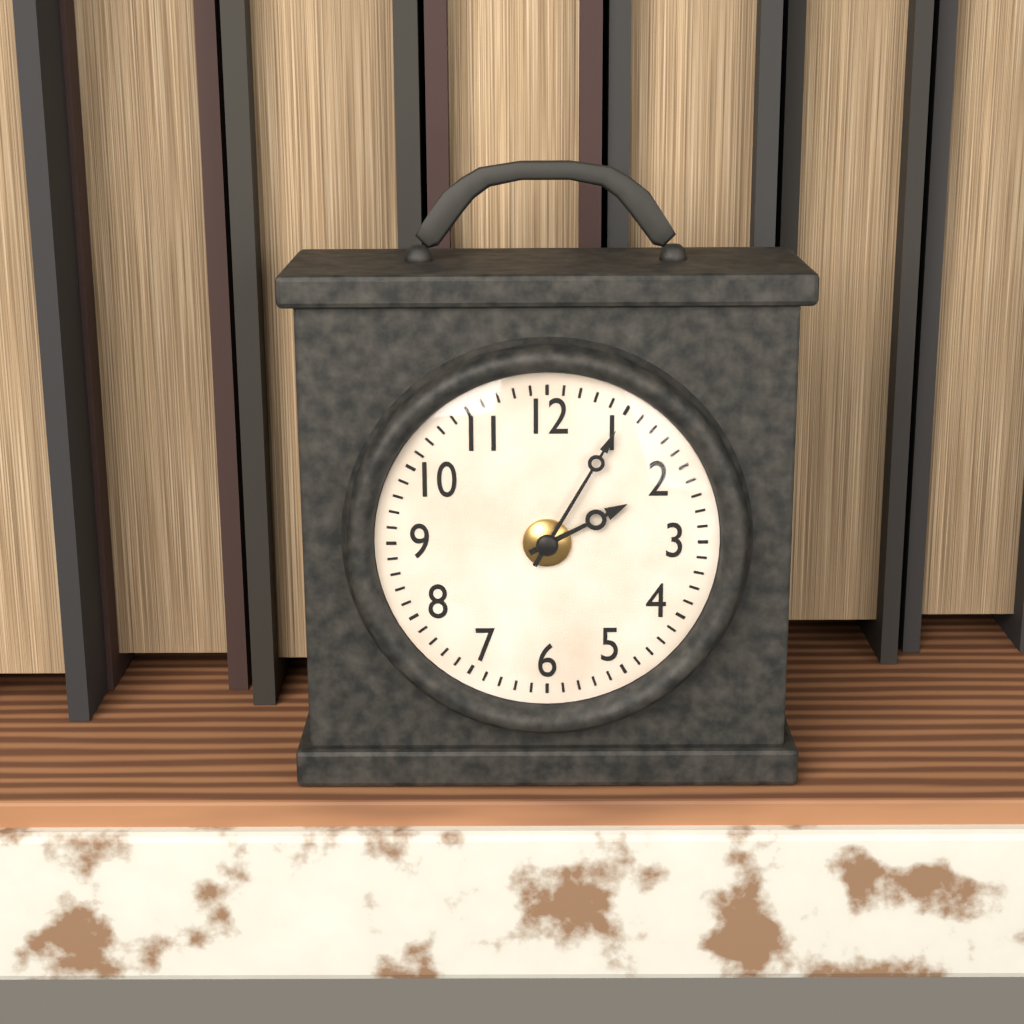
2:05
